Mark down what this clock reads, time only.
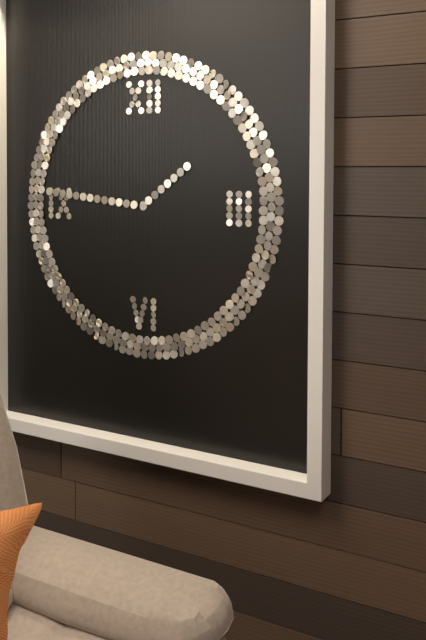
1:46
